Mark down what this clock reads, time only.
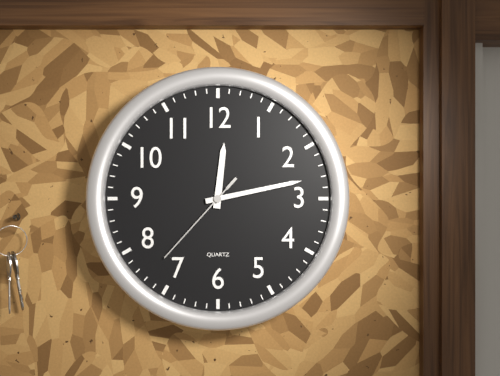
12:13:37
